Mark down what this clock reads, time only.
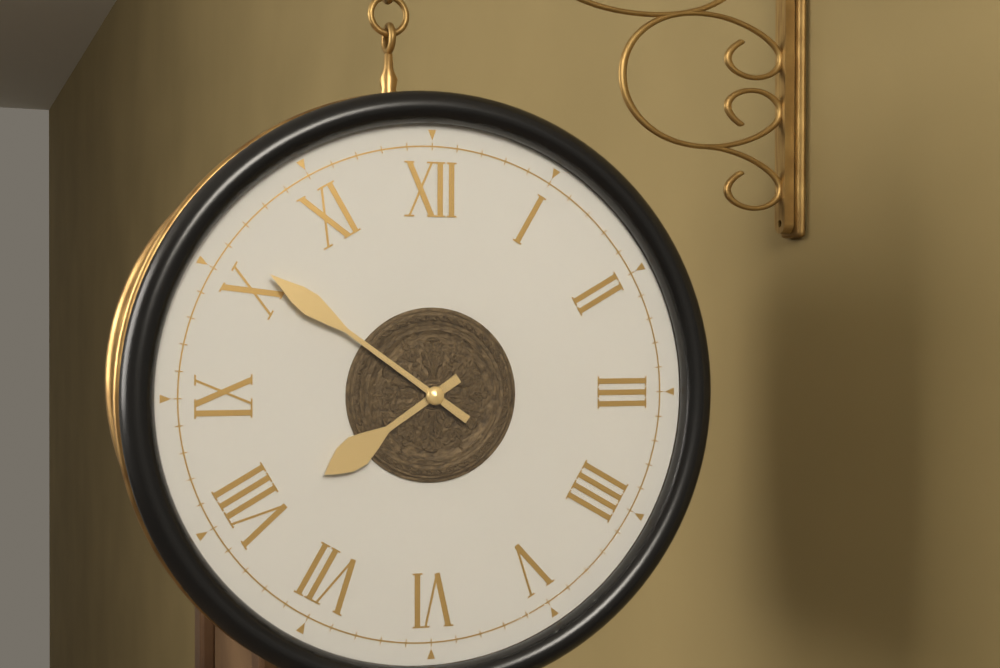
7:51
